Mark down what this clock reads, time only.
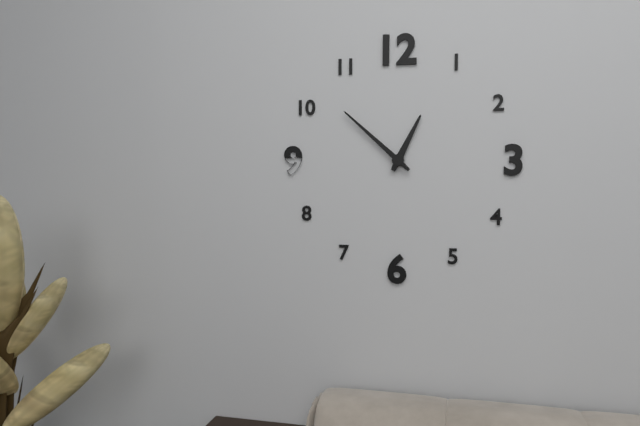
12:52
